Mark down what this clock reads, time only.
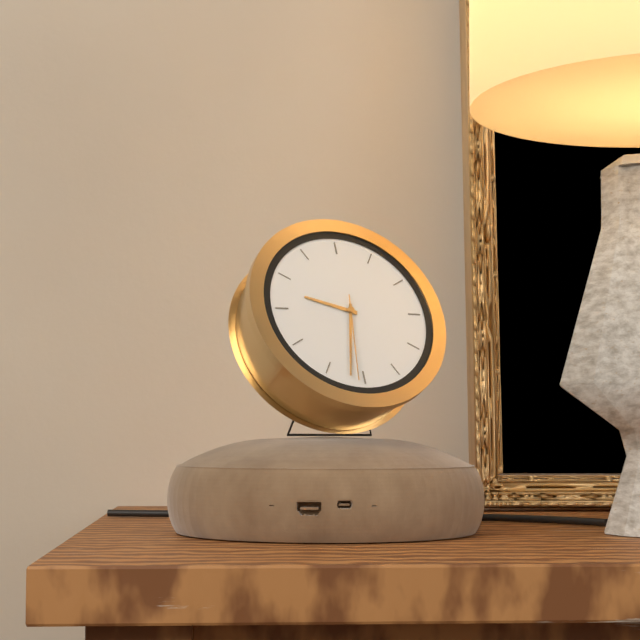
9:32:31
